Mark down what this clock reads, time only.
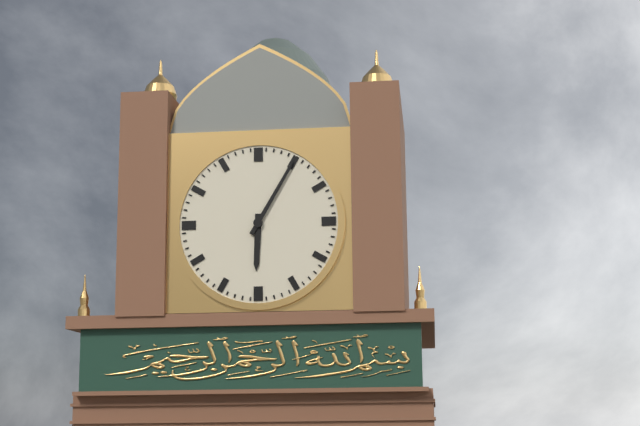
6:05
